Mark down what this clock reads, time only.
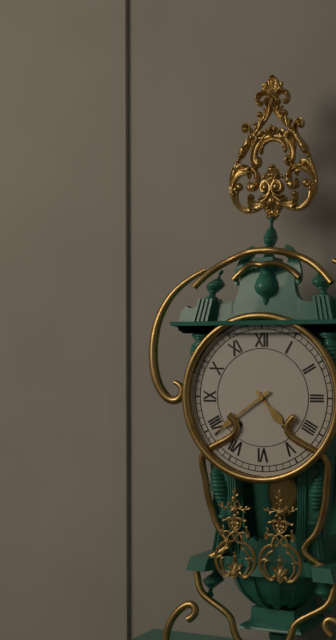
4:39
